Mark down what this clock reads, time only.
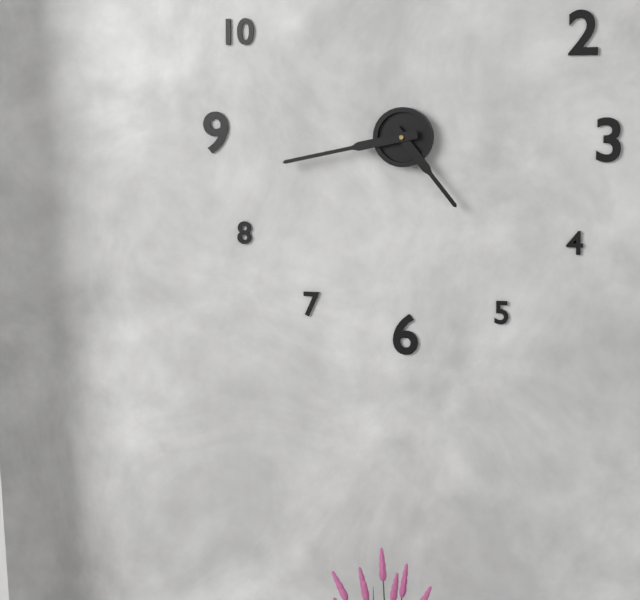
4:43
